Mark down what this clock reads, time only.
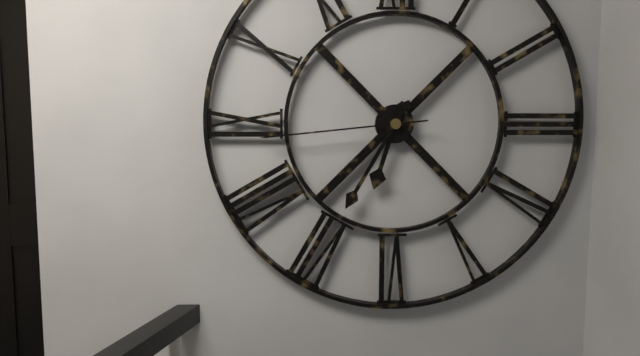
6:35:44
